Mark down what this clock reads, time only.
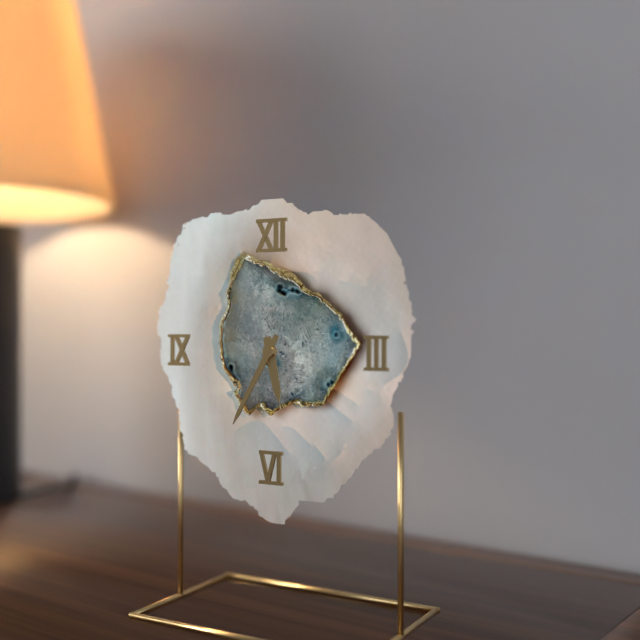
5:35
